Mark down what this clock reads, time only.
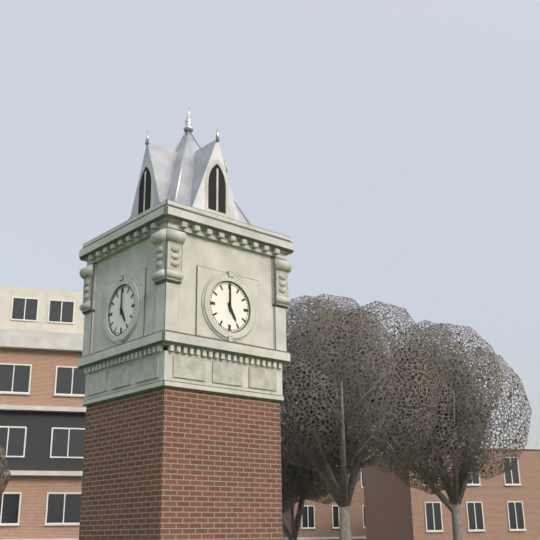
5:00
